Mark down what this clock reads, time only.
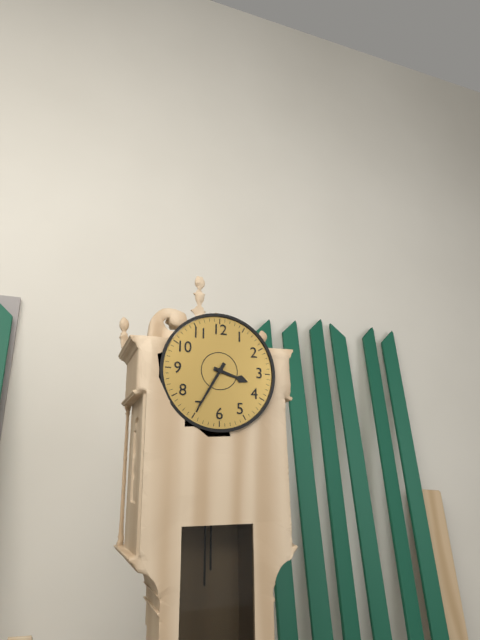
3:35
